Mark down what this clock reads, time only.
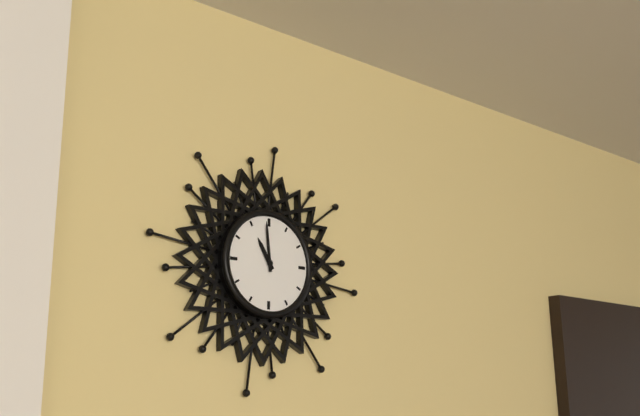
10:59
